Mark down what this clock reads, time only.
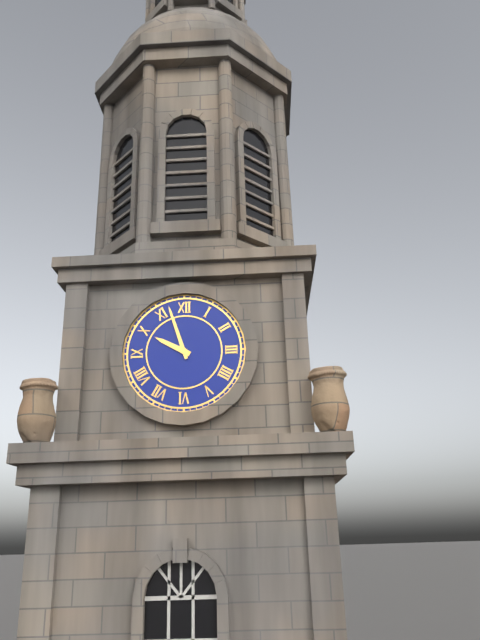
9:57
